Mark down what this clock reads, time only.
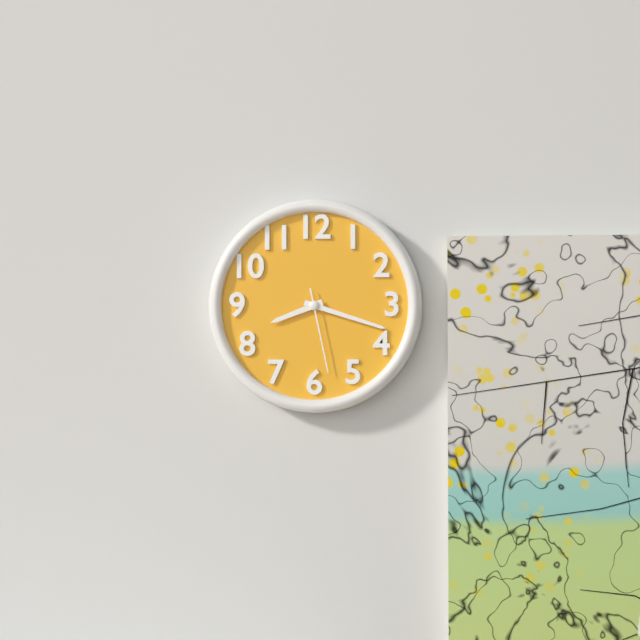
8:18:28
